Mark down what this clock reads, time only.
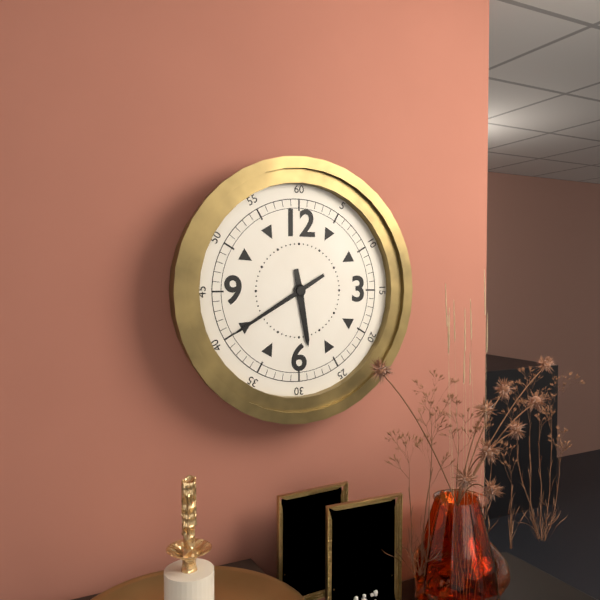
5:40
